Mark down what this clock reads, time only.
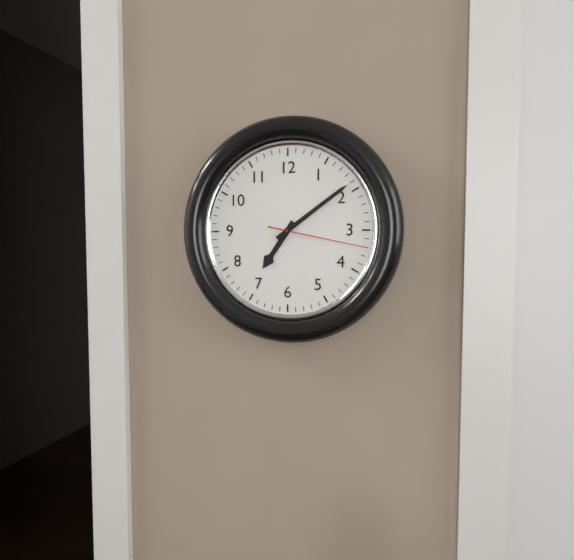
7:09:17
